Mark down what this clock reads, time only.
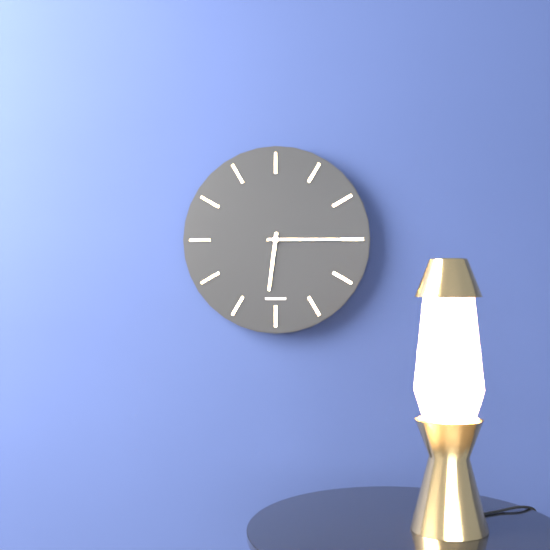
6:15
